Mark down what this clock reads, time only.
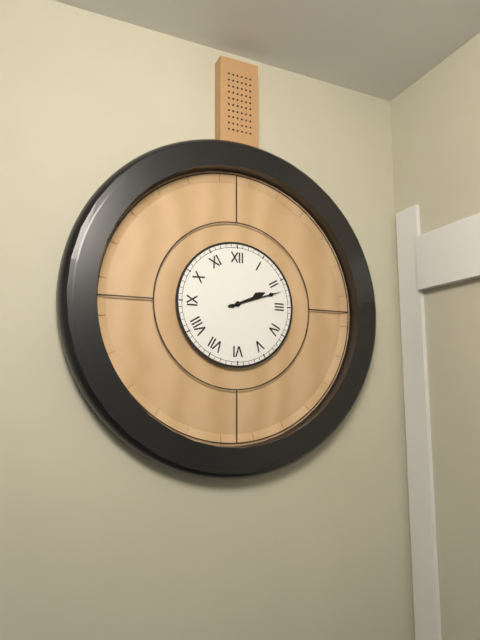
2:12
